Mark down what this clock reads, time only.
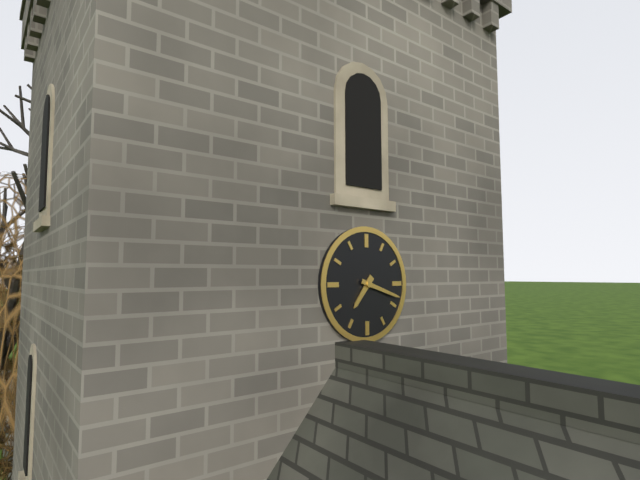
7:18
